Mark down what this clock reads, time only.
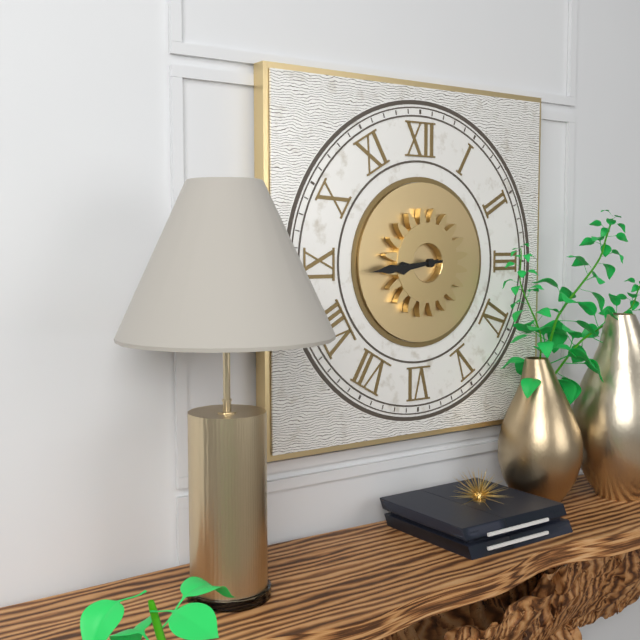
8:44
